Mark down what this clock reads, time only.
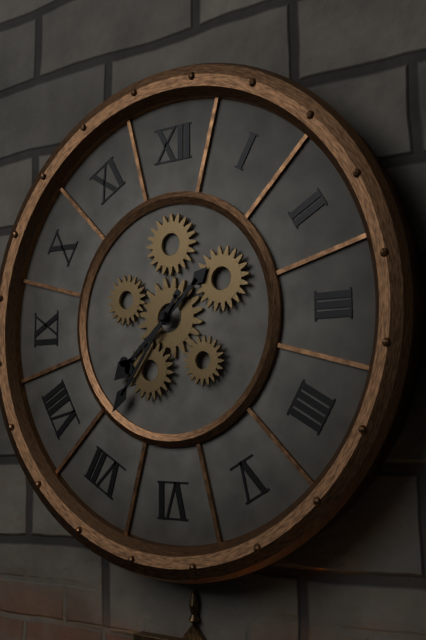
7:36
